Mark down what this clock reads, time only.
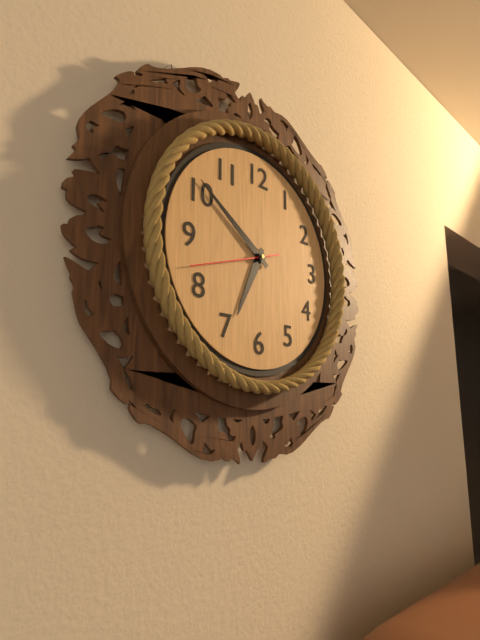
6:51:42
